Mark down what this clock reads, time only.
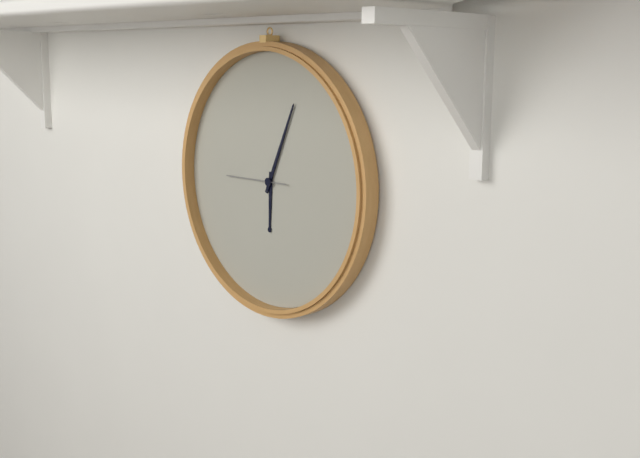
6:04:45
